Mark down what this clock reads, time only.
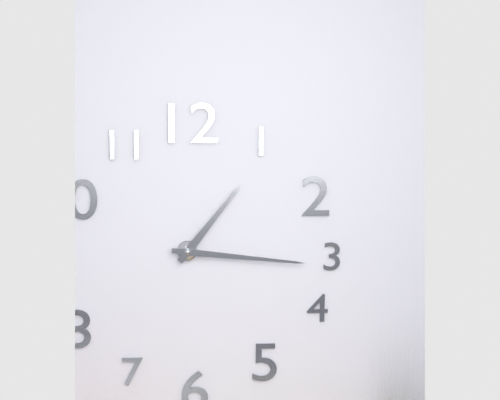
1:16
